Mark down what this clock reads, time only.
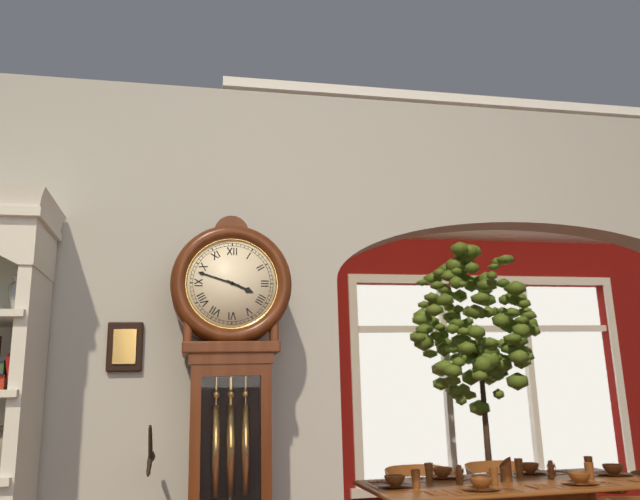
3:48
